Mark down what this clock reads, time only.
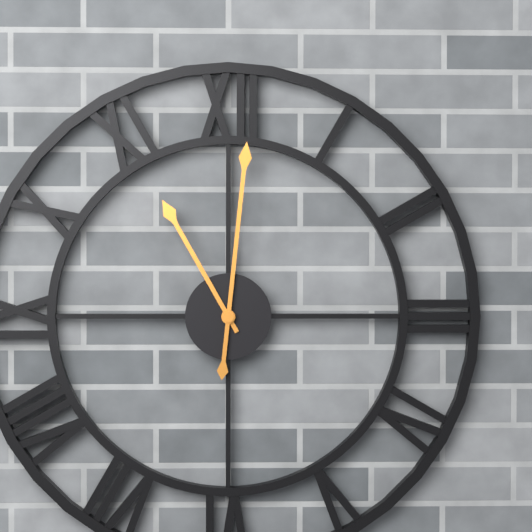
11:01
